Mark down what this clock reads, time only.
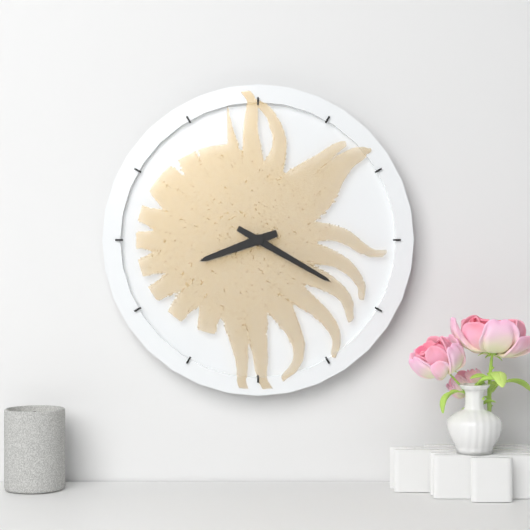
8:20
